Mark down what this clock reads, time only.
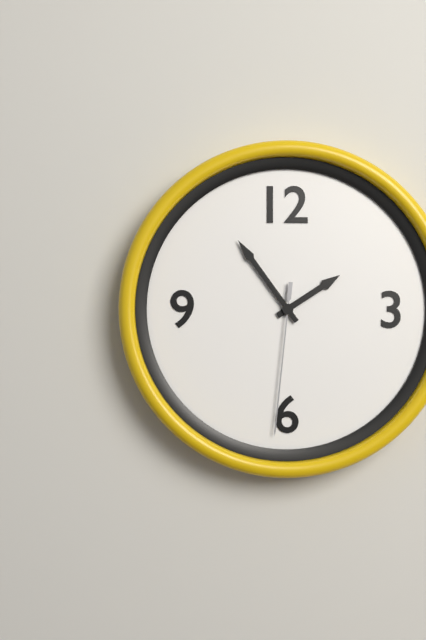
1:54:31
